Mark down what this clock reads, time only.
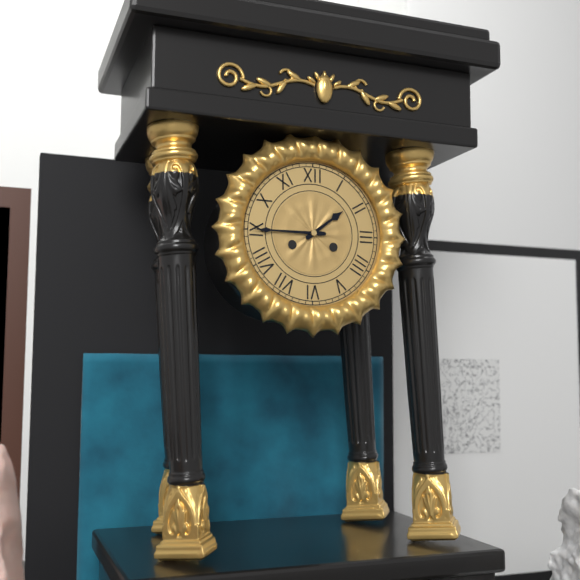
1:45
